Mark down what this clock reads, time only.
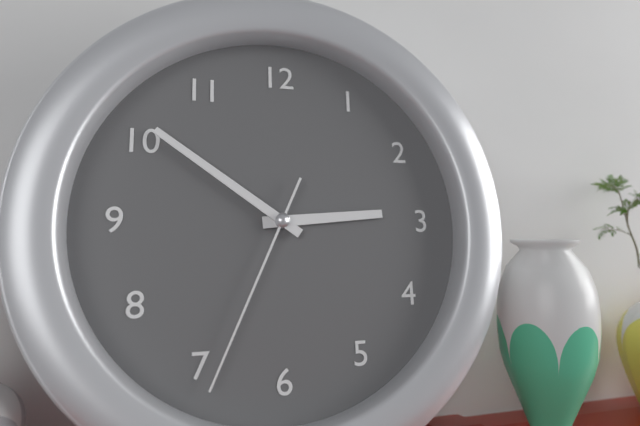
2:51:34
